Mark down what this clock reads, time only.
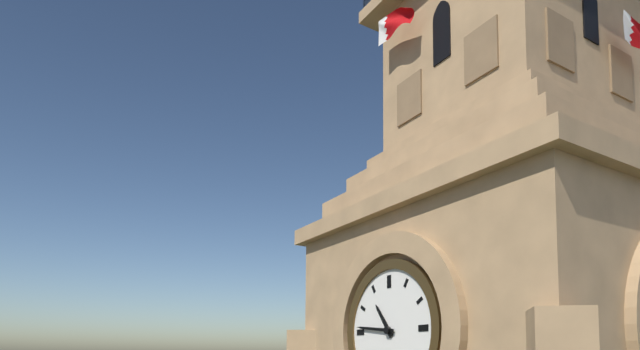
10:46
